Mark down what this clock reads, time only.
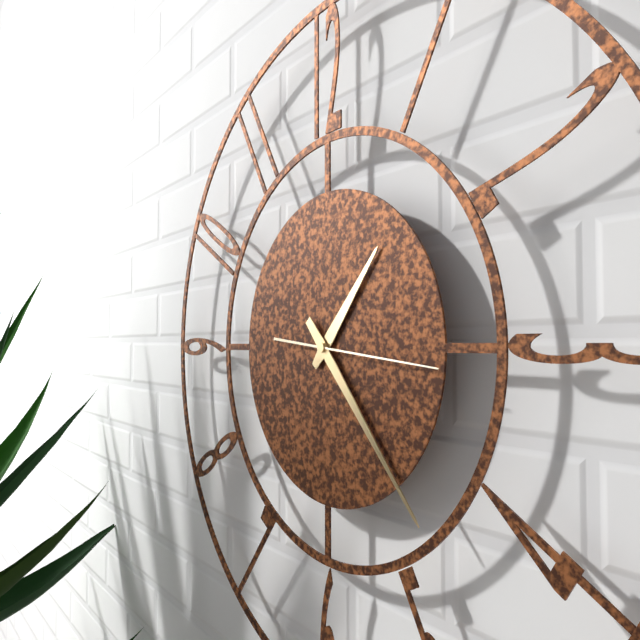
1:23:16
